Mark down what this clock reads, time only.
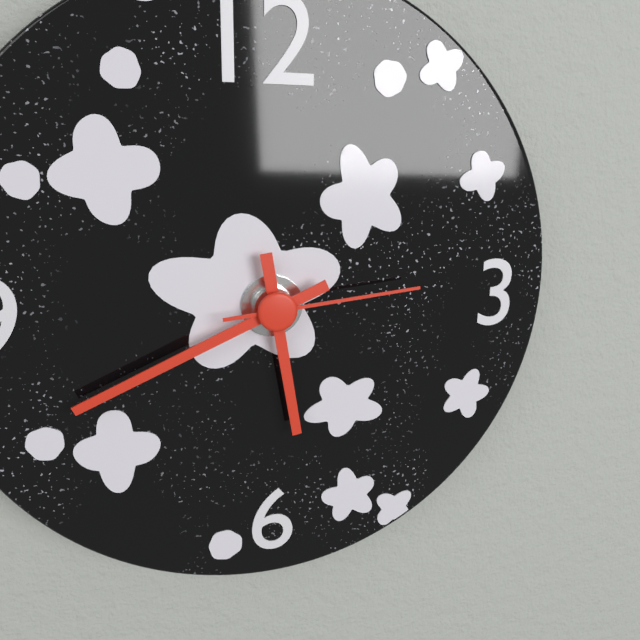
5:41:14
